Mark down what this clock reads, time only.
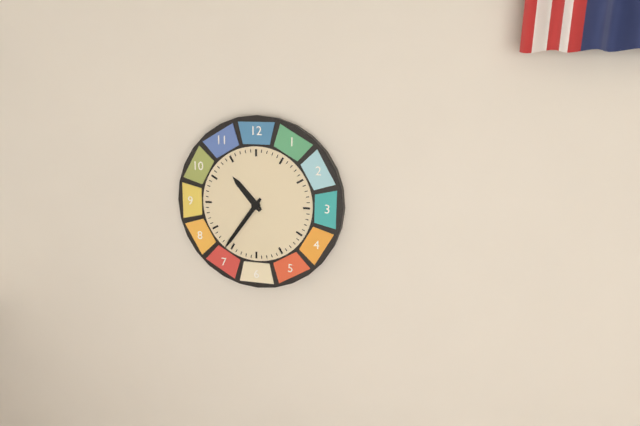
10:36
